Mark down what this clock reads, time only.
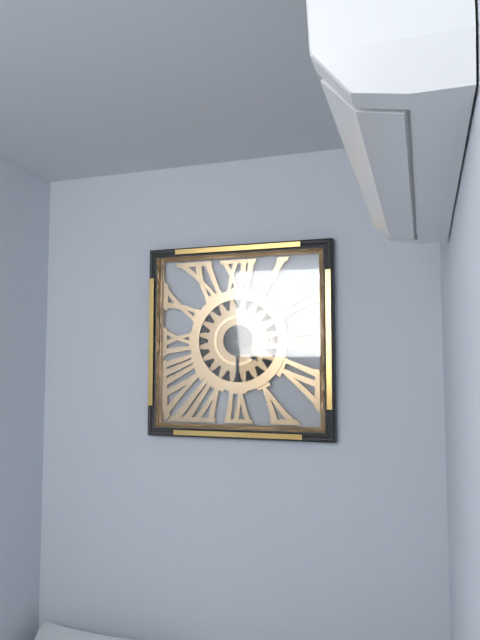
4:30
